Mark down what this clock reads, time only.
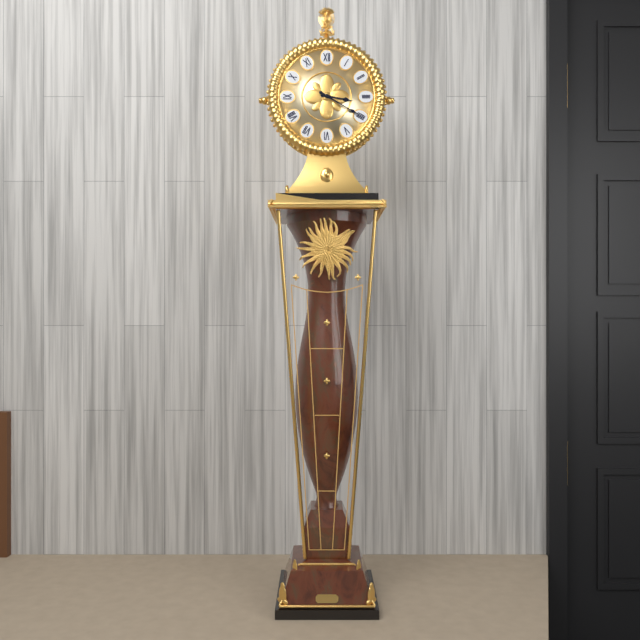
3:20
